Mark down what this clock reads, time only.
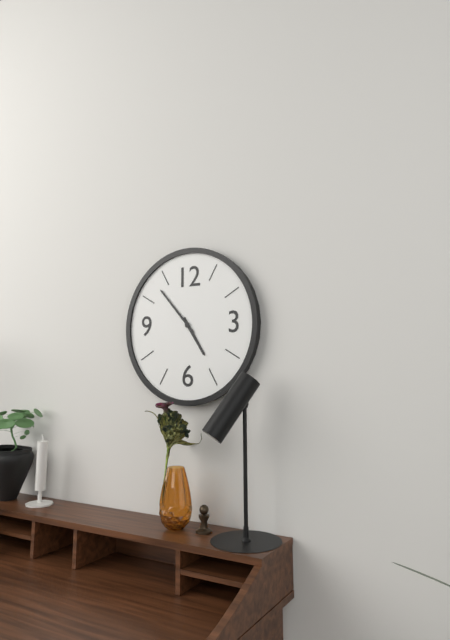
4:53
